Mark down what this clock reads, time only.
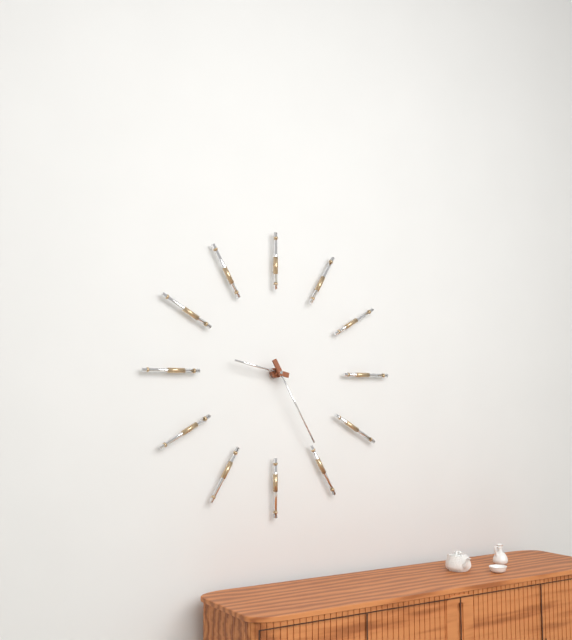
9:25
